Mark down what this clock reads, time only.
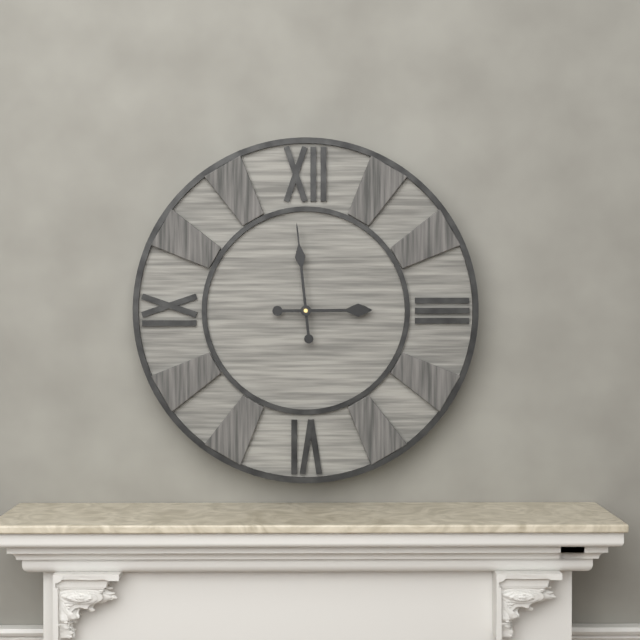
2:59
